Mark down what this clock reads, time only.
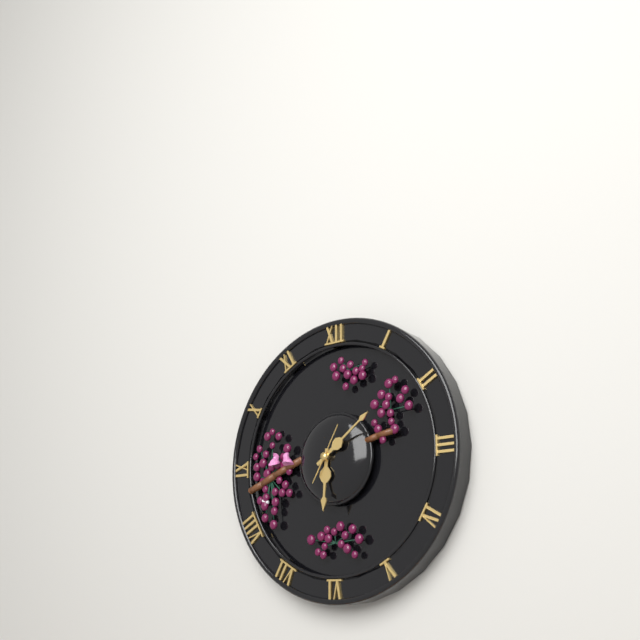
6:09
